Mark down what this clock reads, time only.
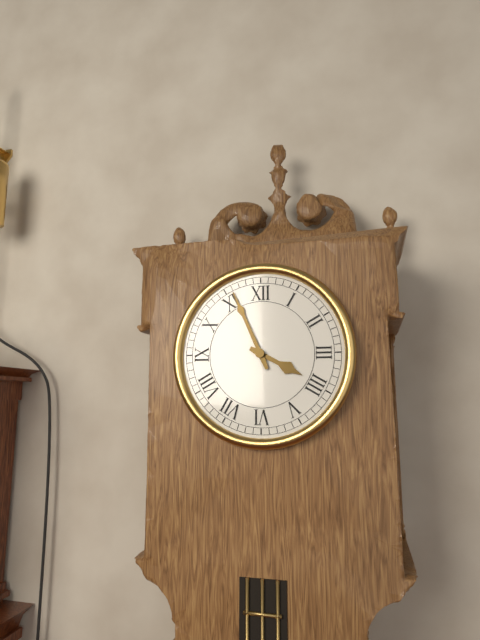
3:56
